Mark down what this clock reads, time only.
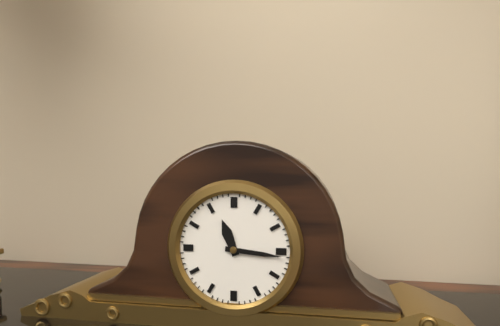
11:16
